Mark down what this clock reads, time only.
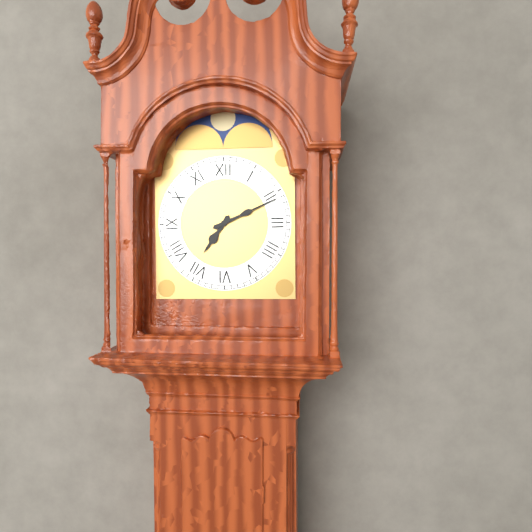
7:11
